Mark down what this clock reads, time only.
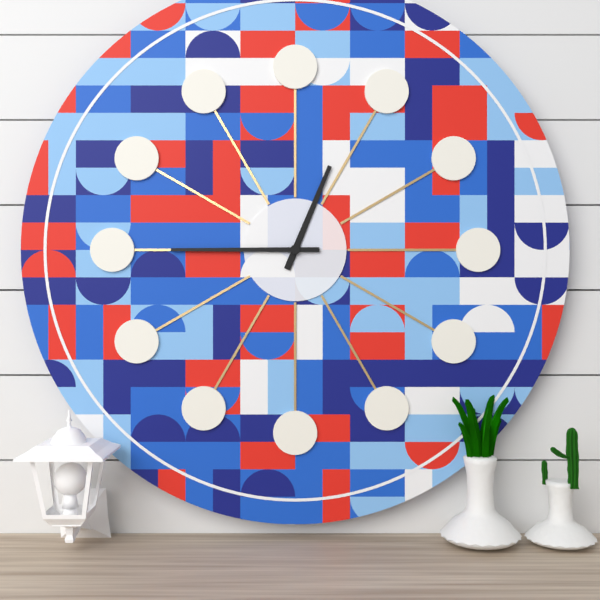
12:45
